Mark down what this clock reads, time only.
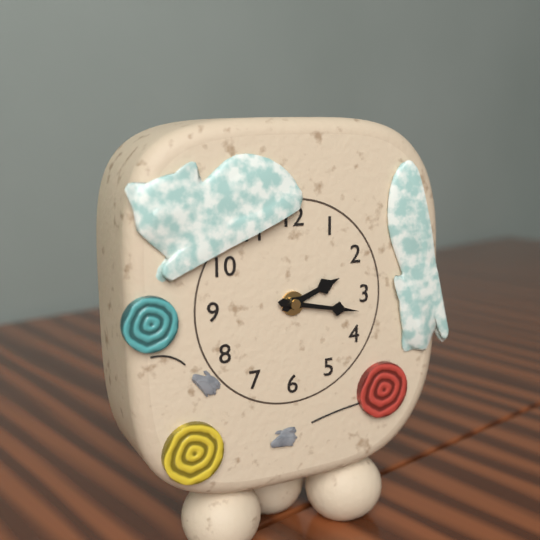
2:17
